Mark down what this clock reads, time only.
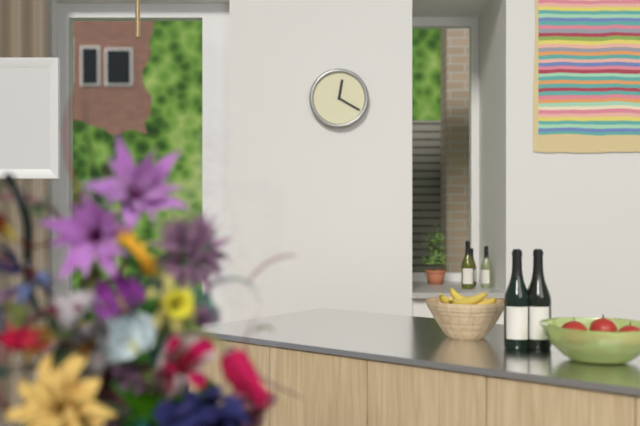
12:20
